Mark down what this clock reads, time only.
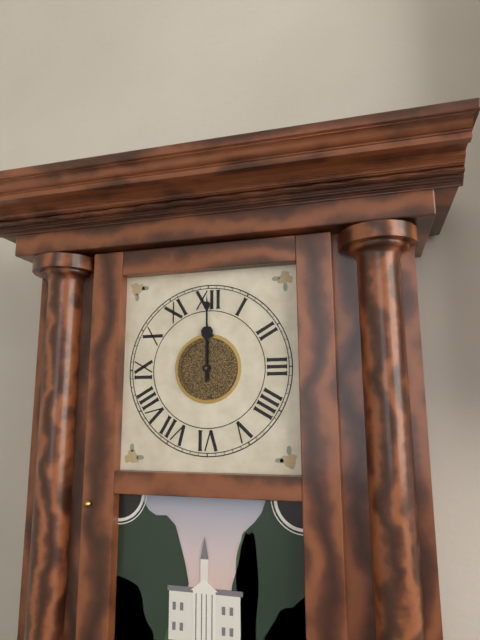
12:00
